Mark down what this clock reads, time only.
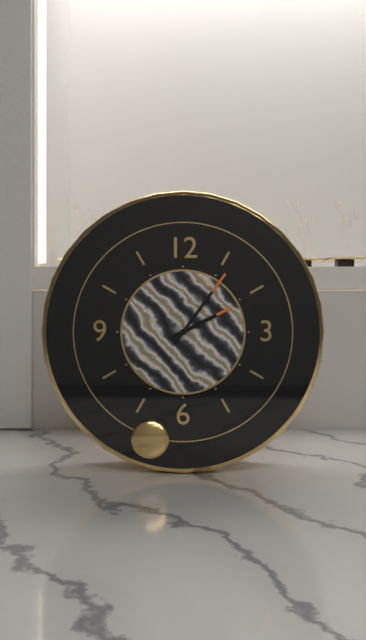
2:06
